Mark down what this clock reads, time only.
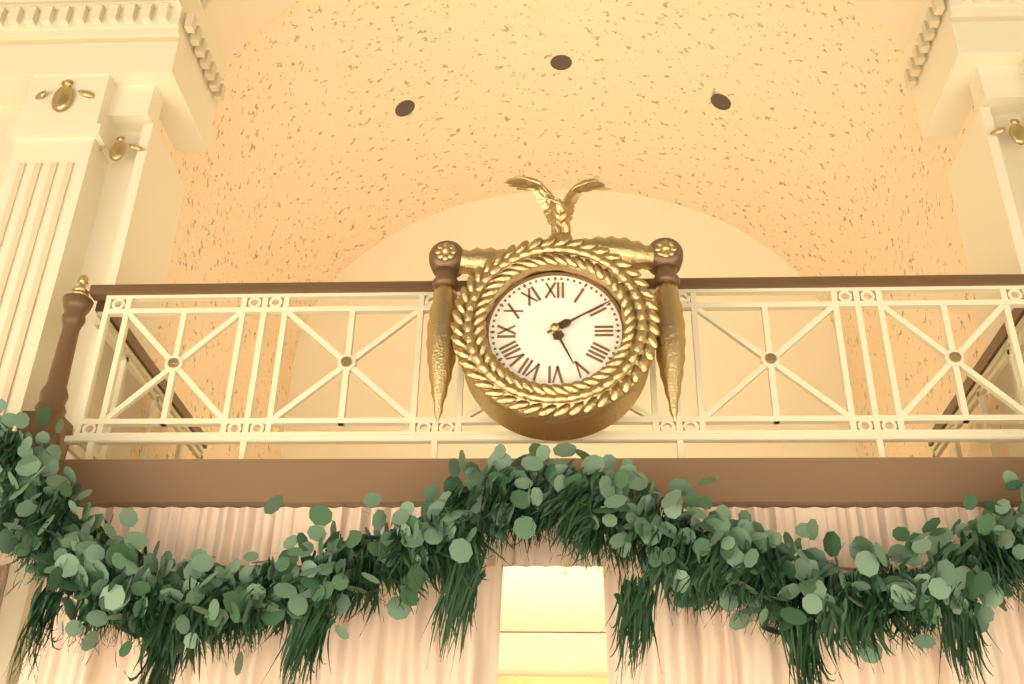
5:10
